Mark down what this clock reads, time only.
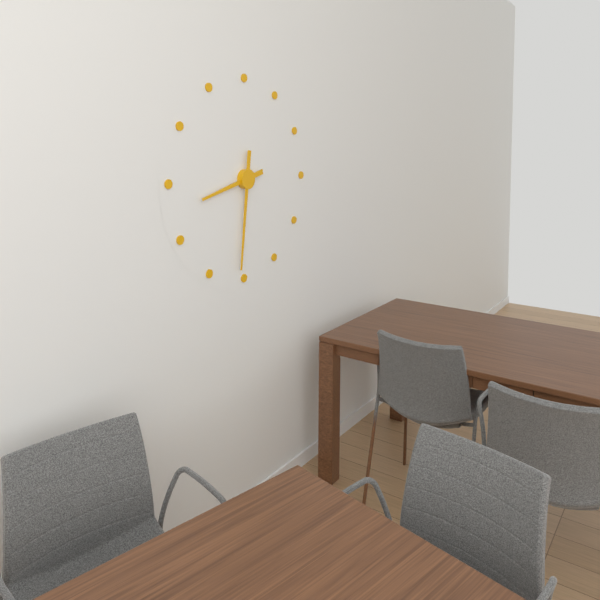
8:31
